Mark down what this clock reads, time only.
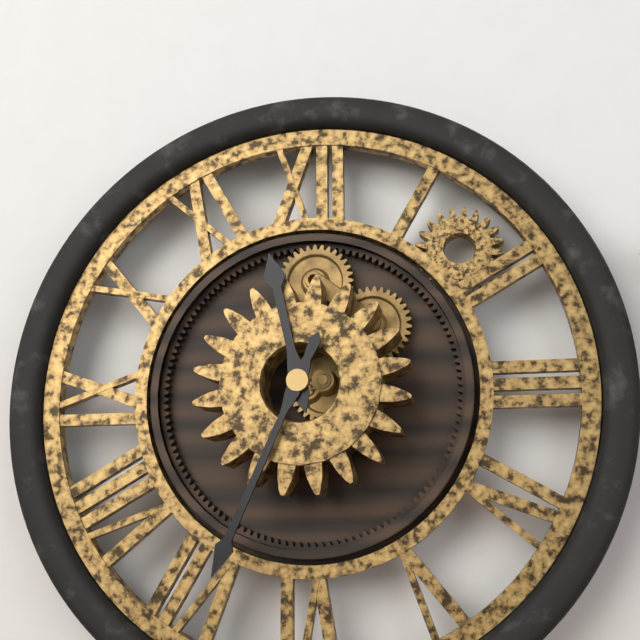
11:34
